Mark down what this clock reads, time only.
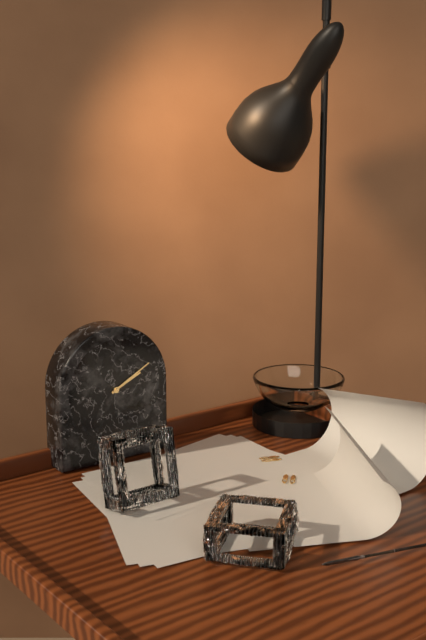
2:10
